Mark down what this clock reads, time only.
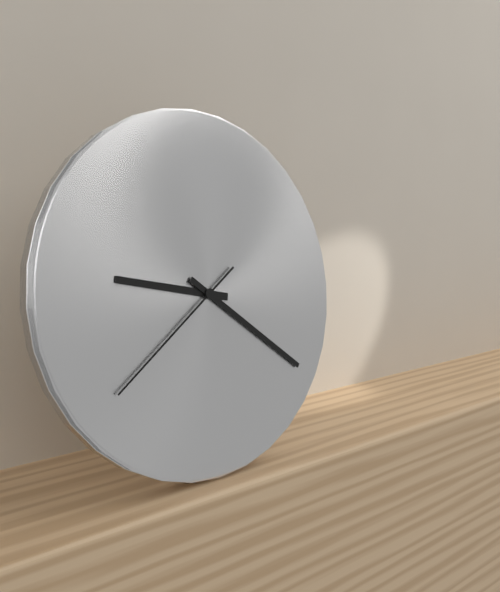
9:21:39
